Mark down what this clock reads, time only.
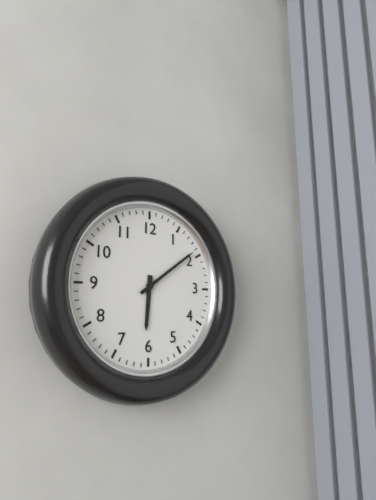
6:09
